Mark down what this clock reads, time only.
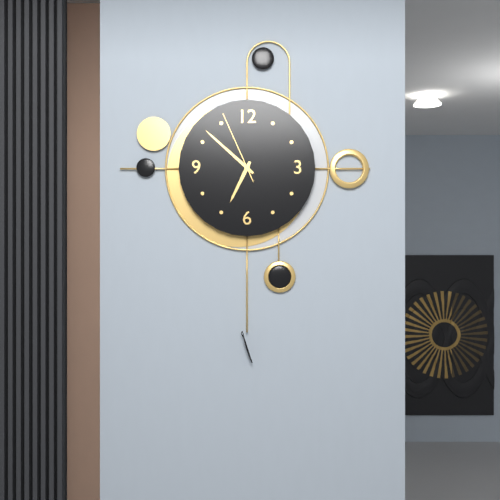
6:52:56
